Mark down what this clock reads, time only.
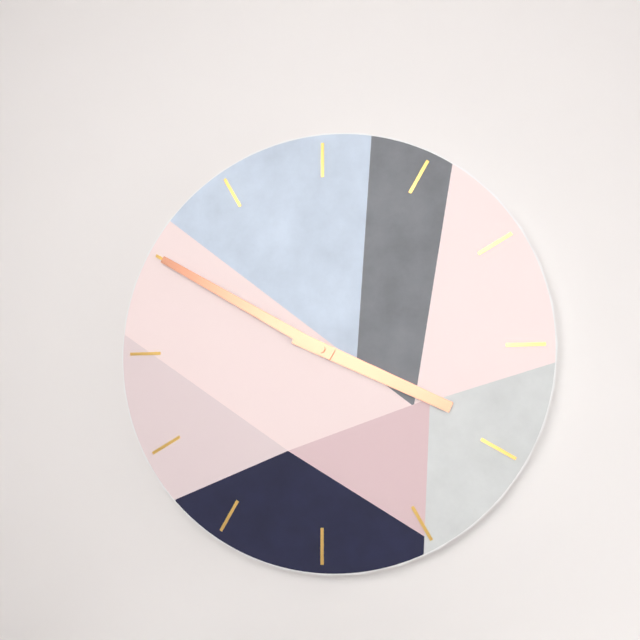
3:50
